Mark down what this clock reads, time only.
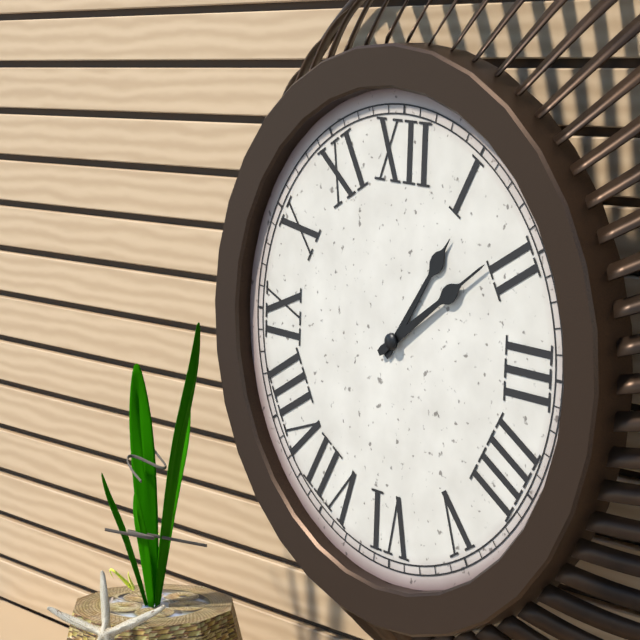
1:09
